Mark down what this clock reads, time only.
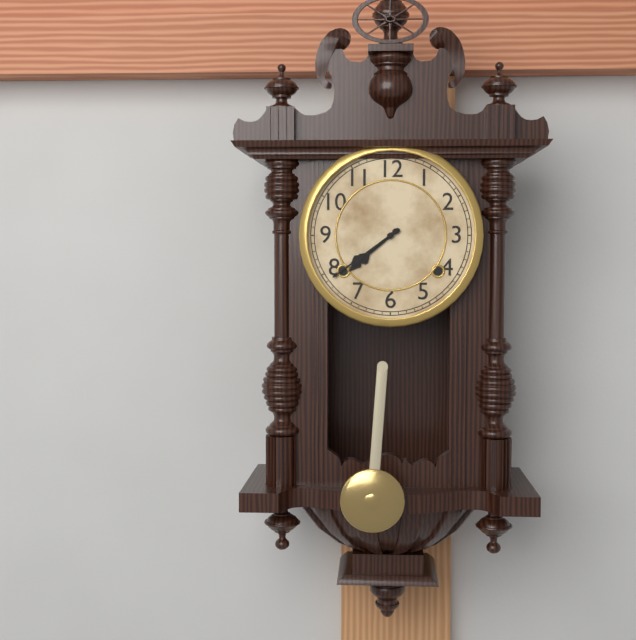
7:39
